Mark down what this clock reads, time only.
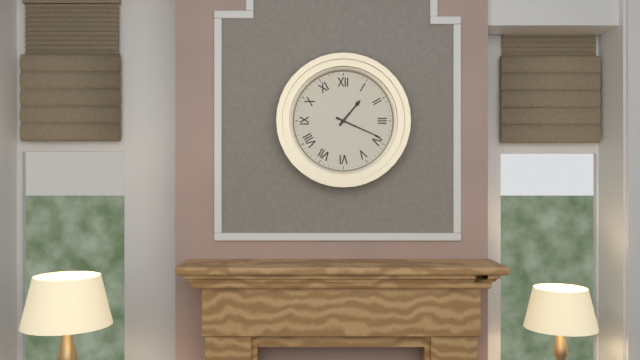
1:19
